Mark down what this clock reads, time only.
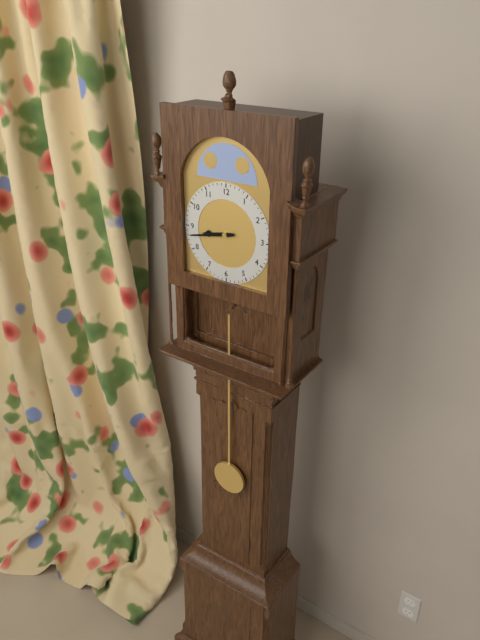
8:43
